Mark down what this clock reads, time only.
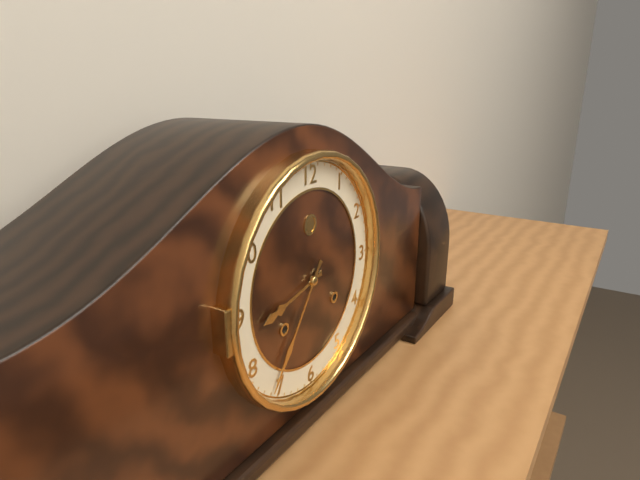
8:36
